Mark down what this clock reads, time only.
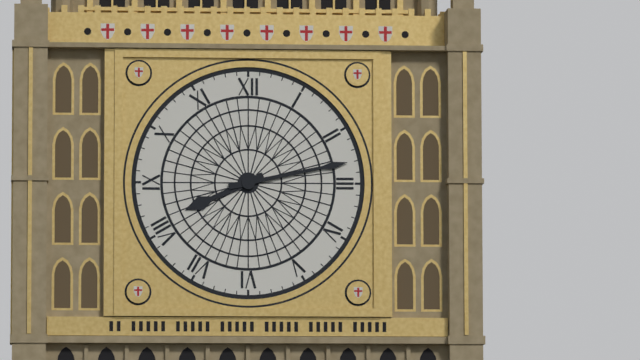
8:13
